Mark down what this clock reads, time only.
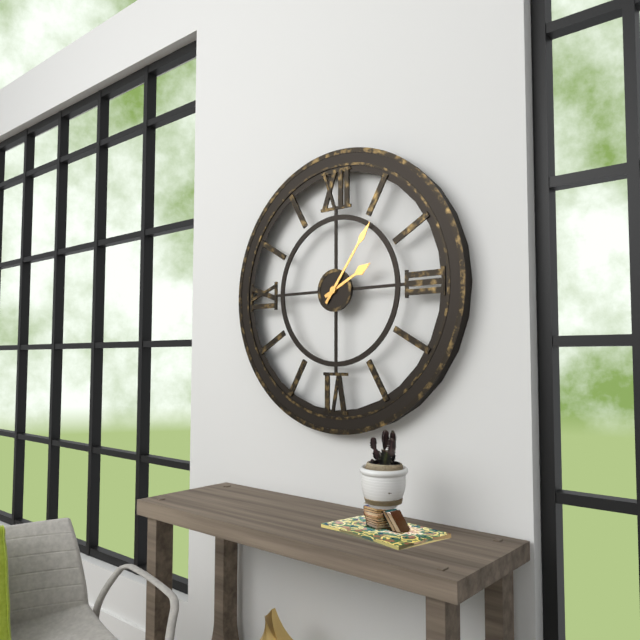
2:06
